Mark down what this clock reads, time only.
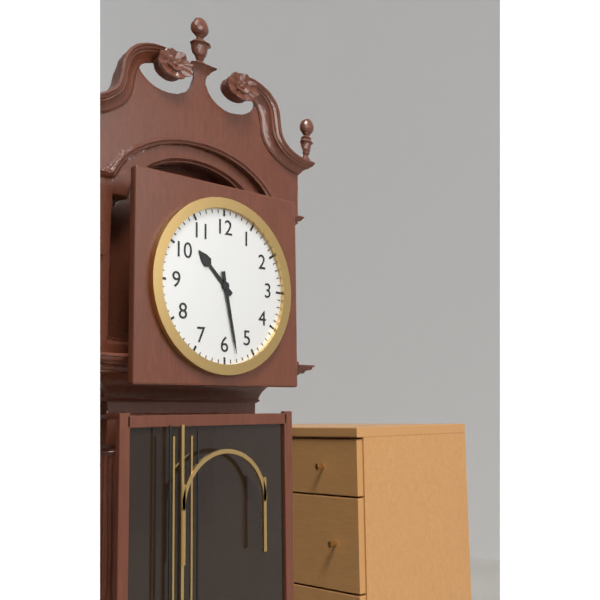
10:28
